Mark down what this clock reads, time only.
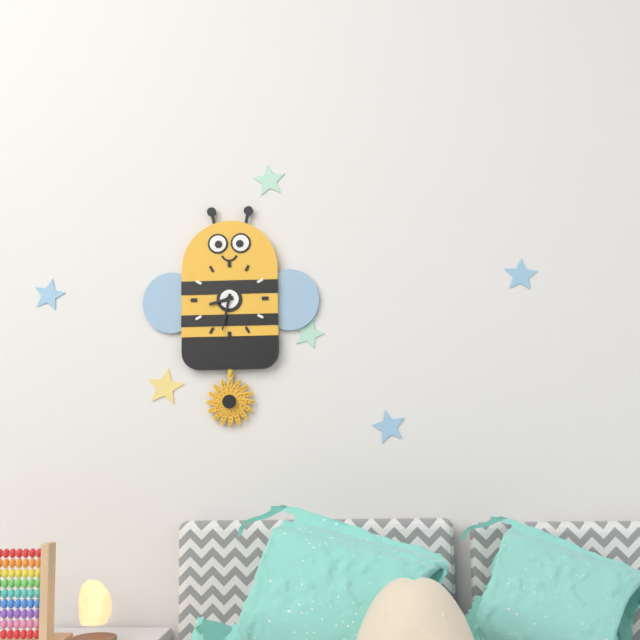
8:32
